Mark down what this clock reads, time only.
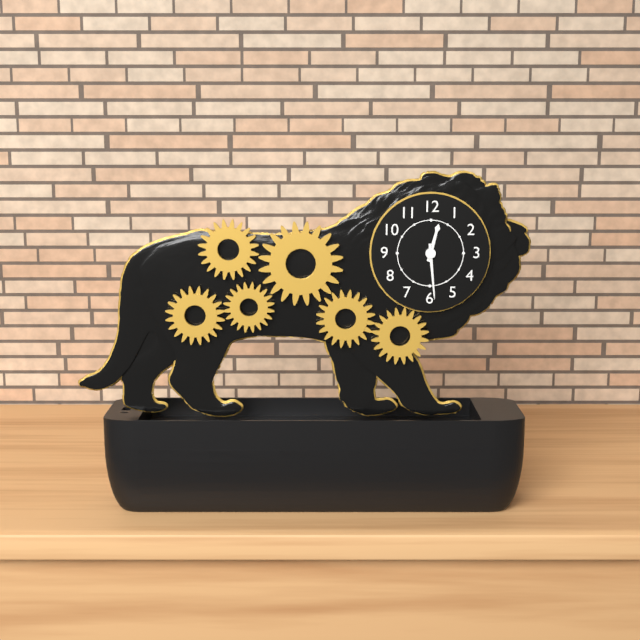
12:29
